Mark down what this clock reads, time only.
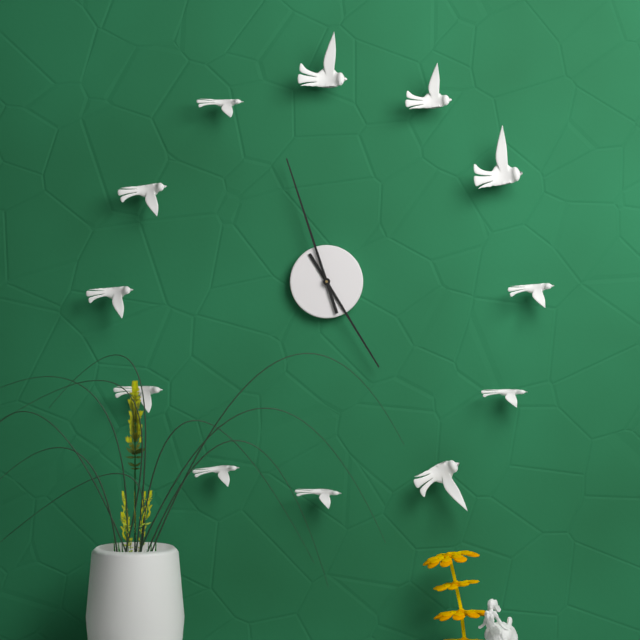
4:57
